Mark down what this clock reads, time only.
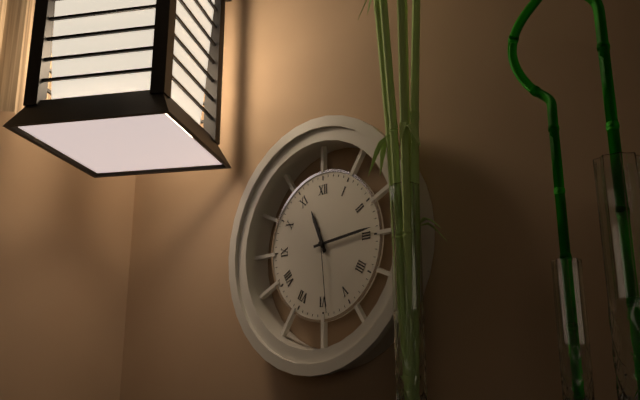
11:14:29
